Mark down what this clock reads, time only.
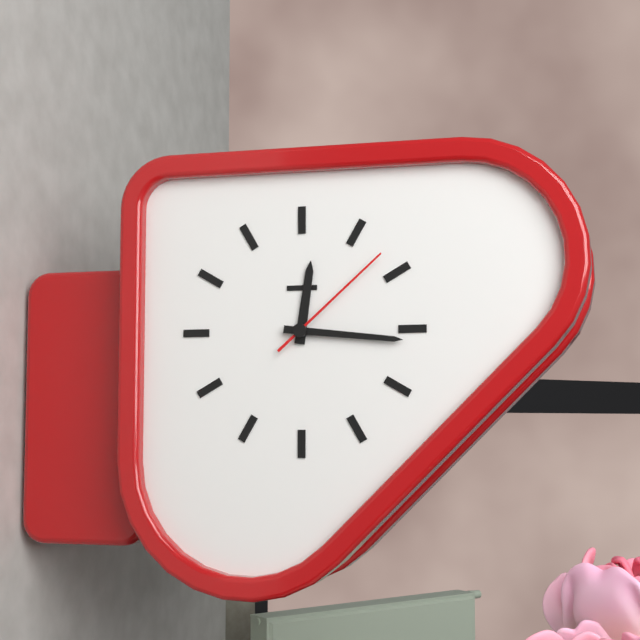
12:16:08
